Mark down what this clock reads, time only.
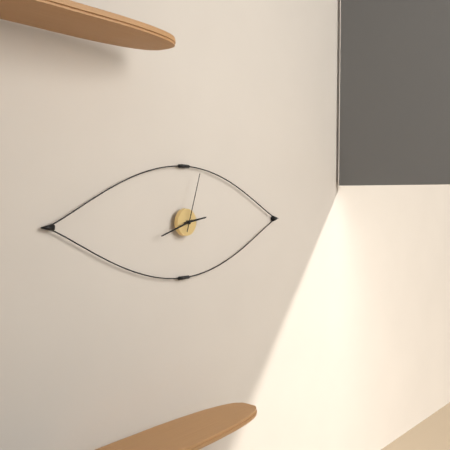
2:42:03
